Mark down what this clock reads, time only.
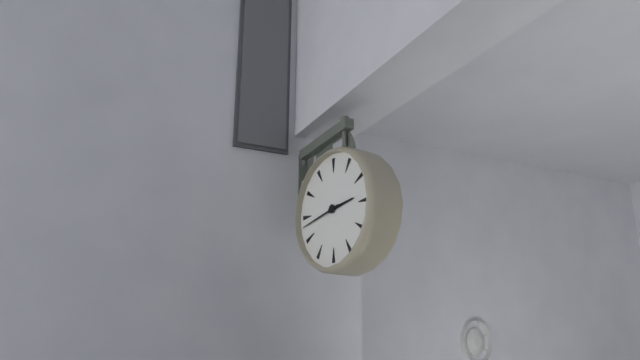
2:43
